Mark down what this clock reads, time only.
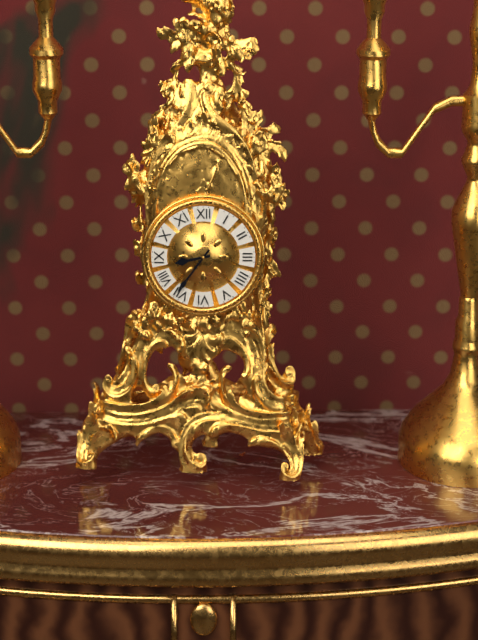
8:36
